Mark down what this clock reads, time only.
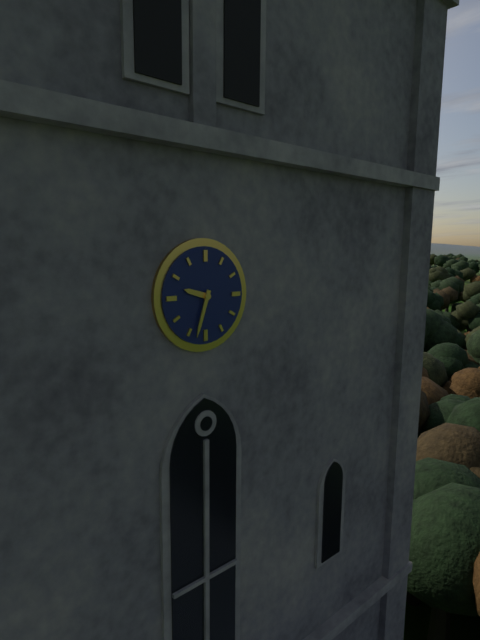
9:33
